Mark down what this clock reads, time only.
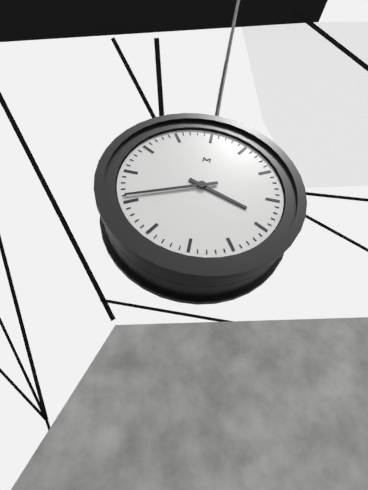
3:41
